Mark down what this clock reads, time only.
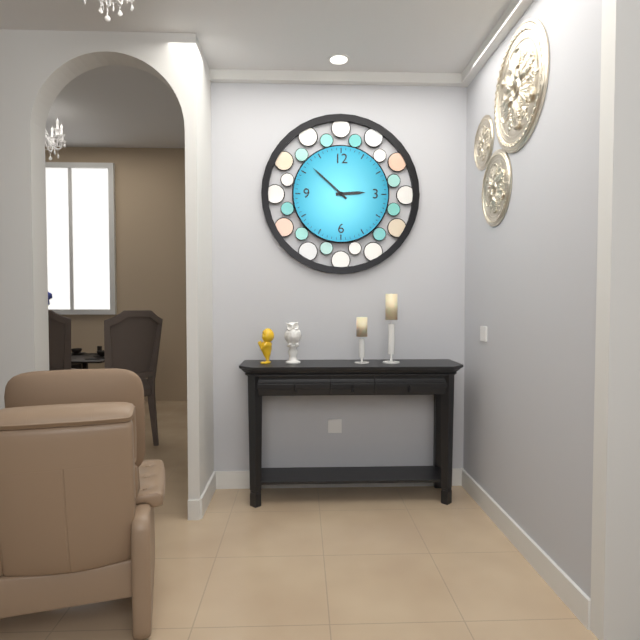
2:52
